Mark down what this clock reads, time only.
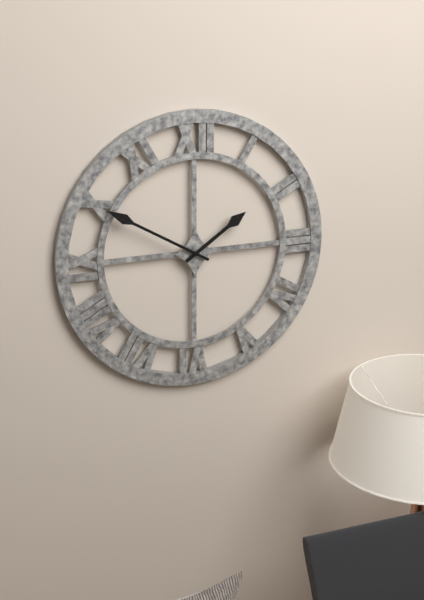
1:50
